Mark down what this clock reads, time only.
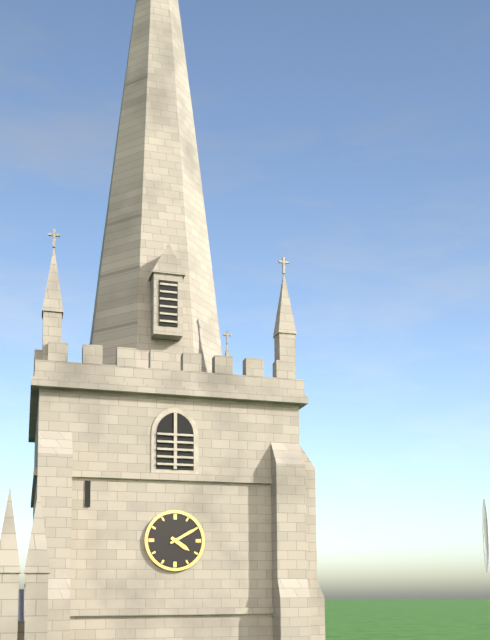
4:10
